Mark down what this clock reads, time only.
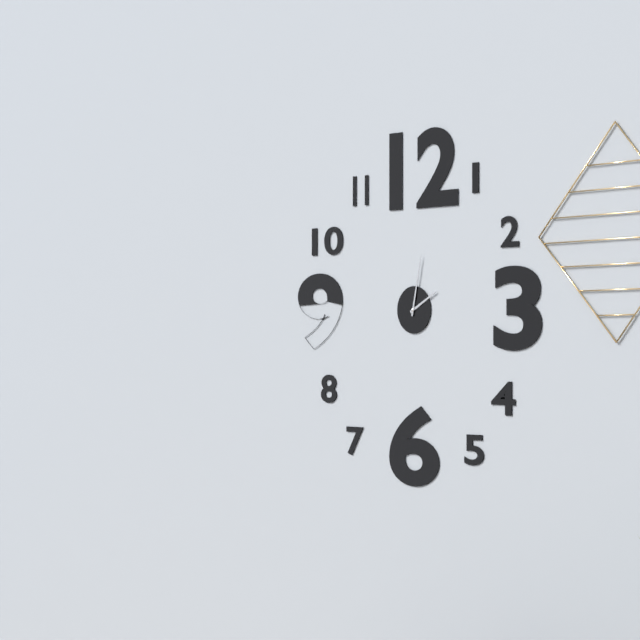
2:02
